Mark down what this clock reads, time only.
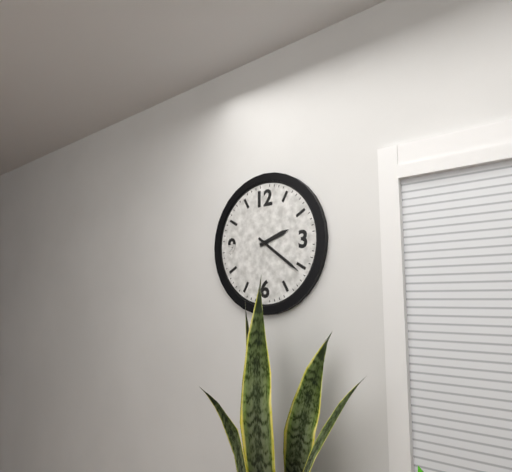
2:21
